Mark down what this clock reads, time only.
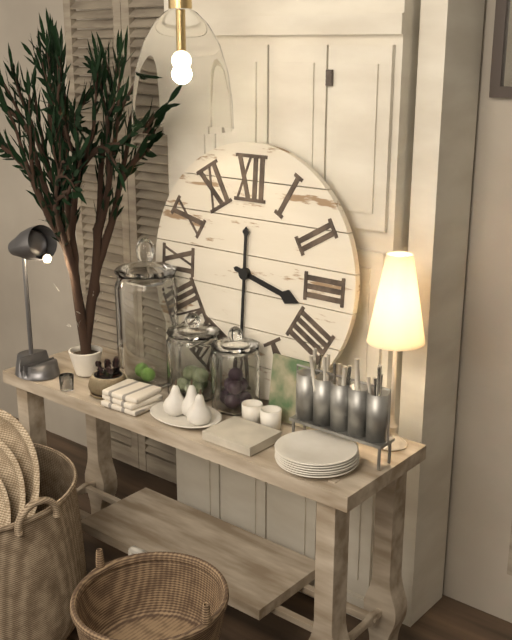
3:30
